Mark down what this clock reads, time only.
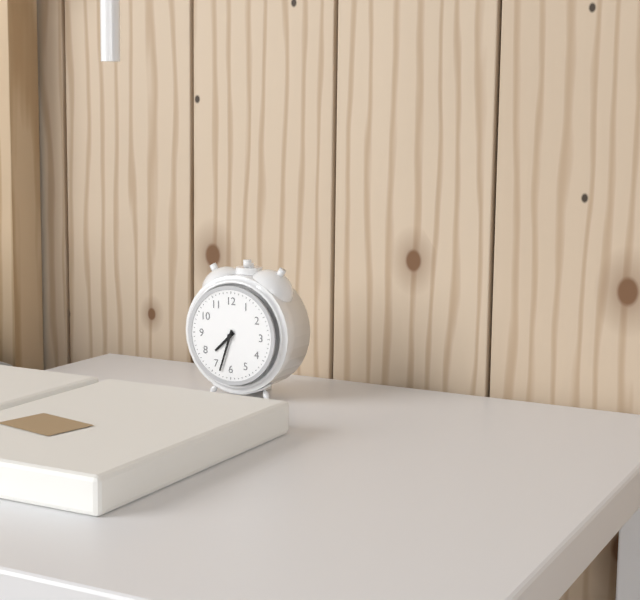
7:33
